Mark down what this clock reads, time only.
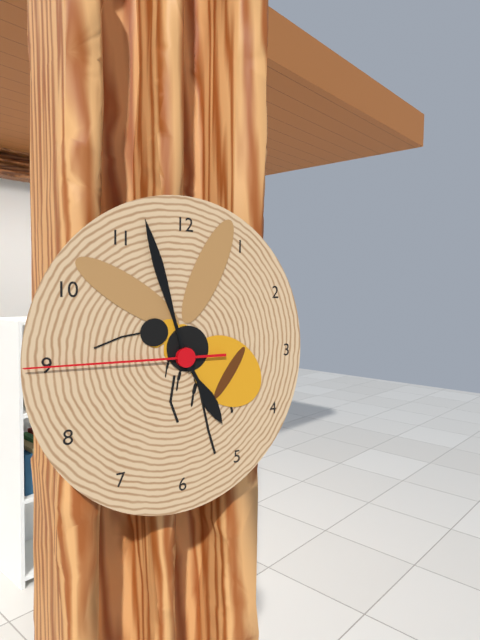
4:57:45
